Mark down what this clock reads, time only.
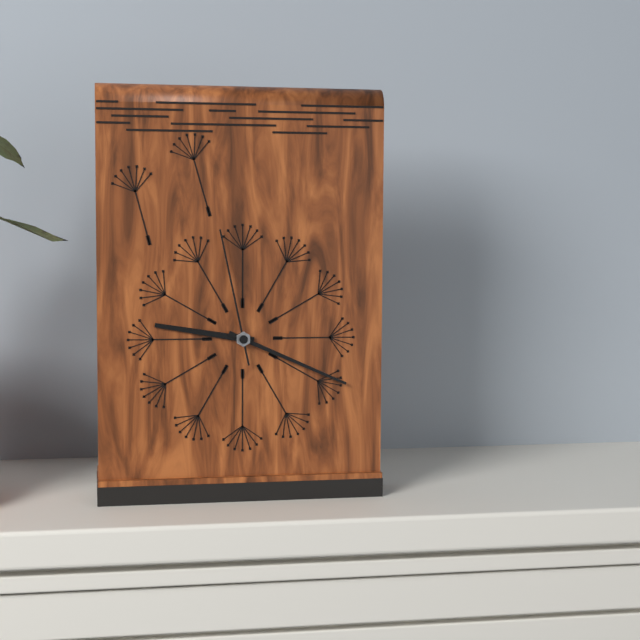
9:19:58
